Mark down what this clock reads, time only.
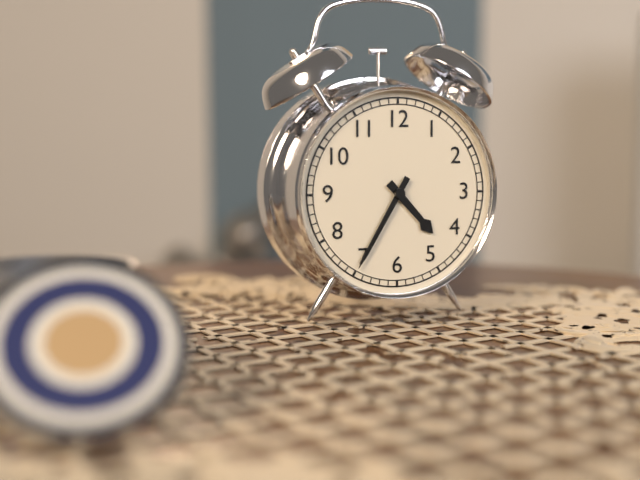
4:35
